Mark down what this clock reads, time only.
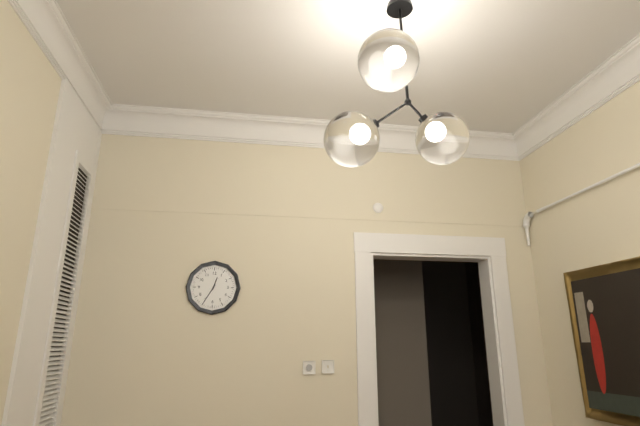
12:35
